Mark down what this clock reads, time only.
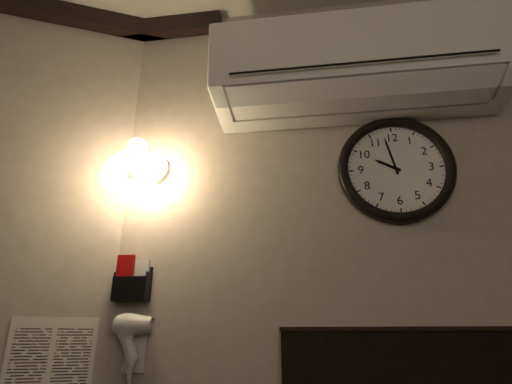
9:58
